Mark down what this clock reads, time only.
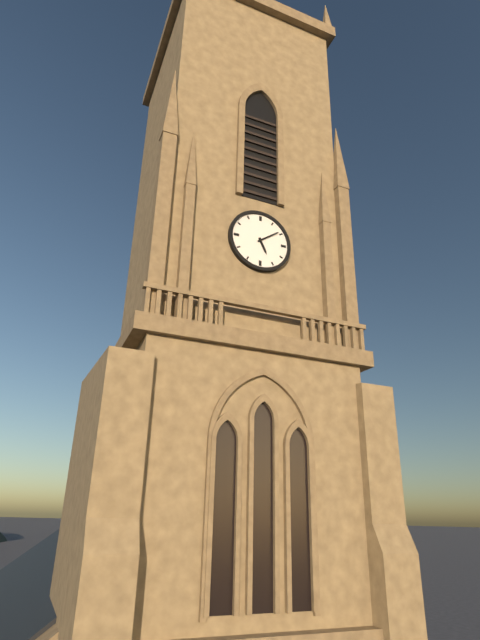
5:09
